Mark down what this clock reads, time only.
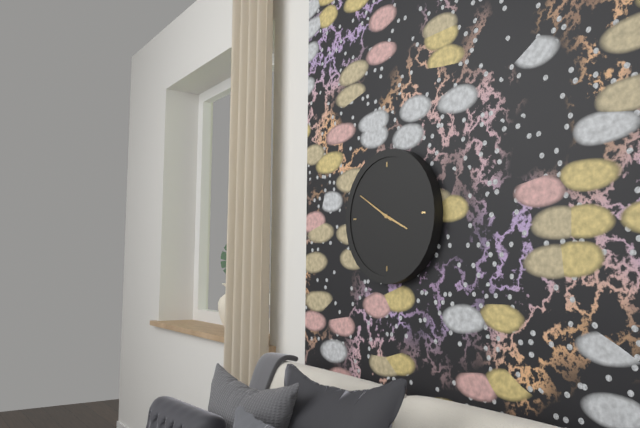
3:50
